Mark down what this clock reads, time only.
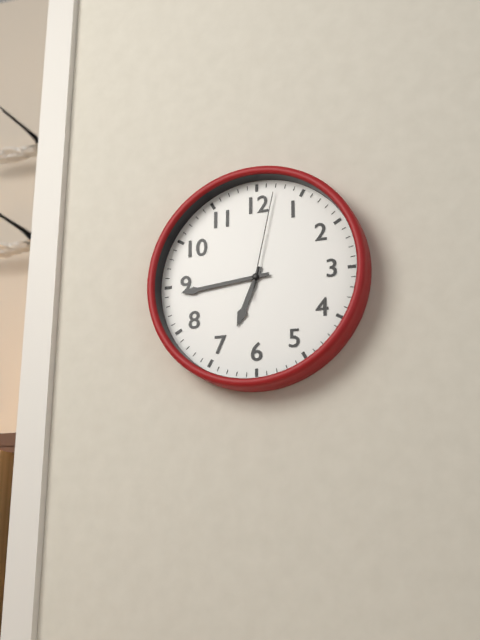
6:44:02
